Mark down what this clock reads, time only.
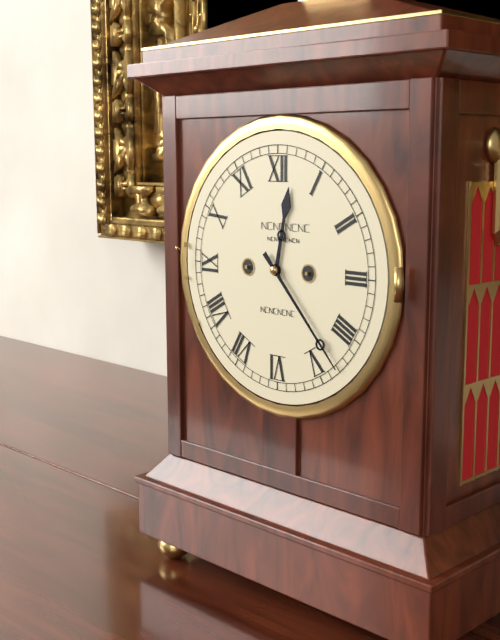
12:23
